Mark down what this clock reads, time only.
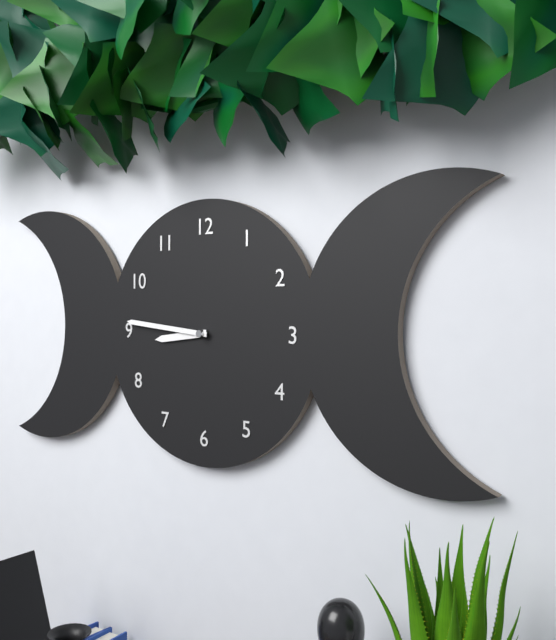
8:46
